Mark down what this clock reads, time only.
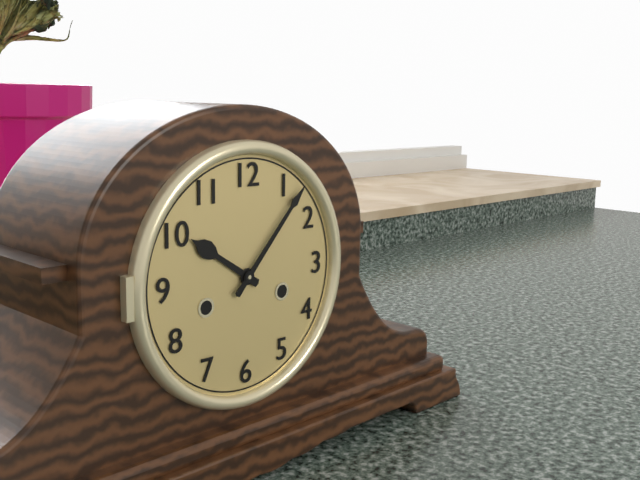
10:07
